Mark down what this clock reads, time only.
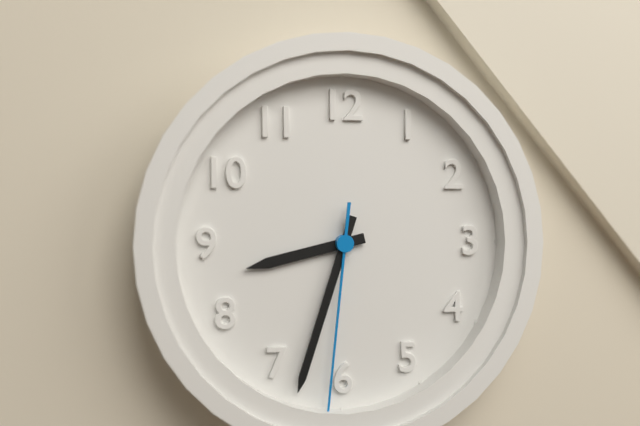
8:33:31
